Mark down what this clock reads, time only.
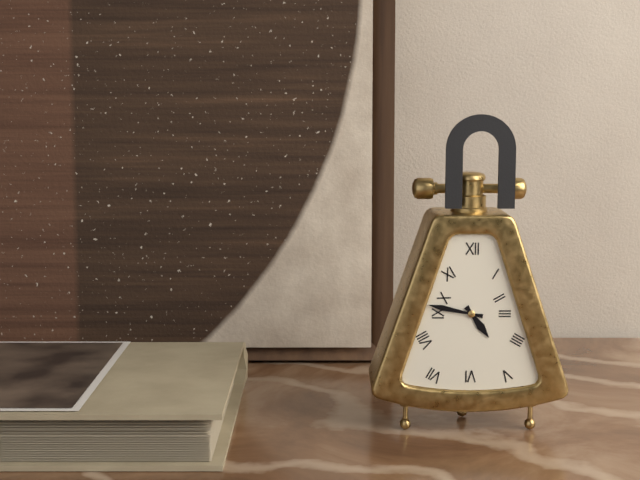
4:47
